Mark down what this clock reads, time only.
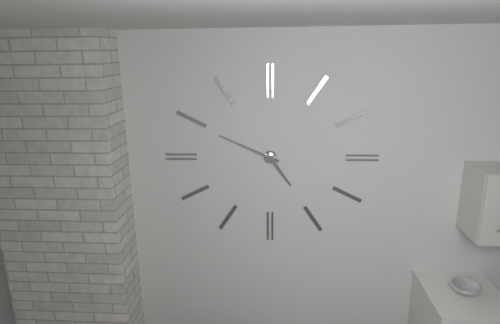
4:49
